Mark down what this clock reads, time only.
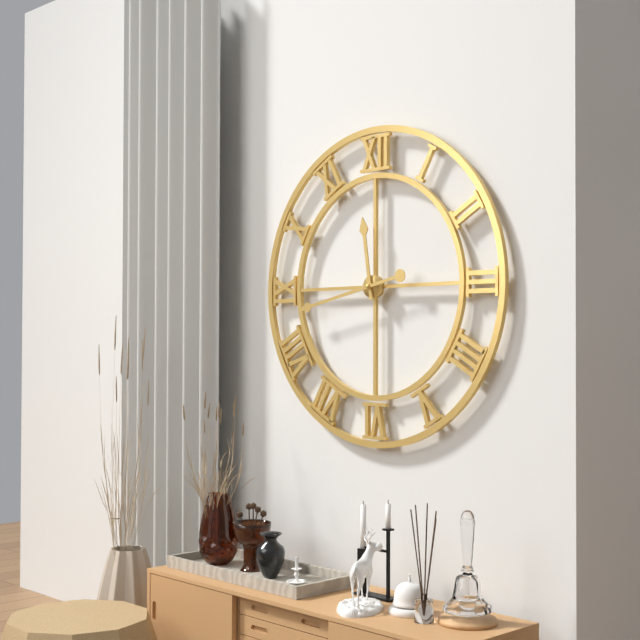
11:43
